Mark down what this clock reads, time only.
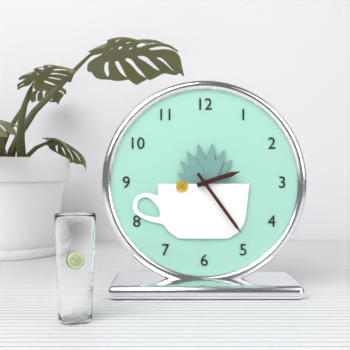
2:24
